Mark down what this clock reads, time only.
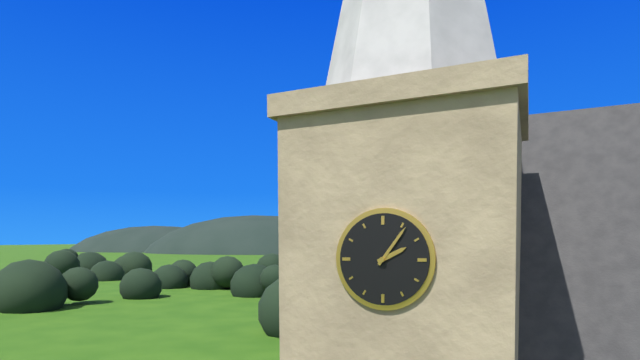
2:06
